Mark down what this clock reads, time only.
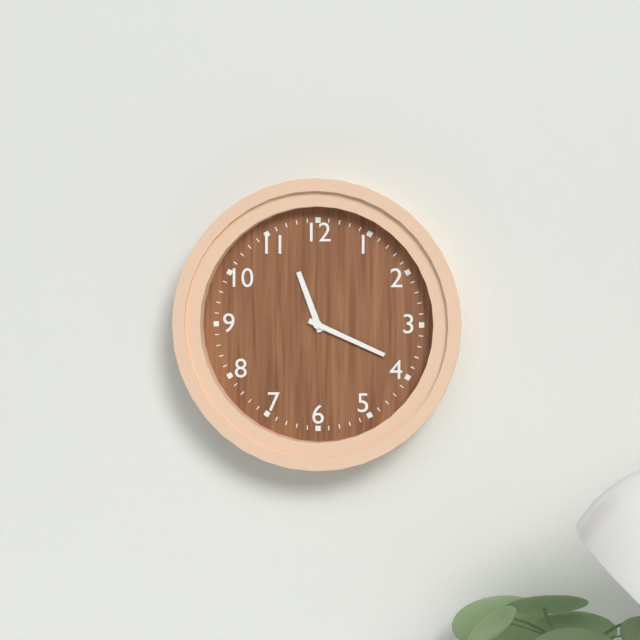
11:19
